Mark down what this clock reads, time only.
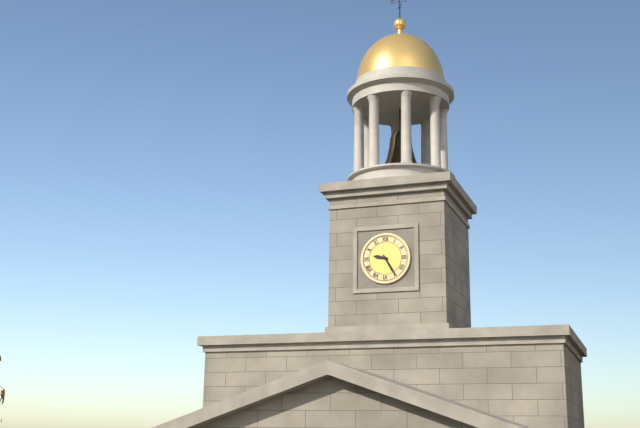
9:25
